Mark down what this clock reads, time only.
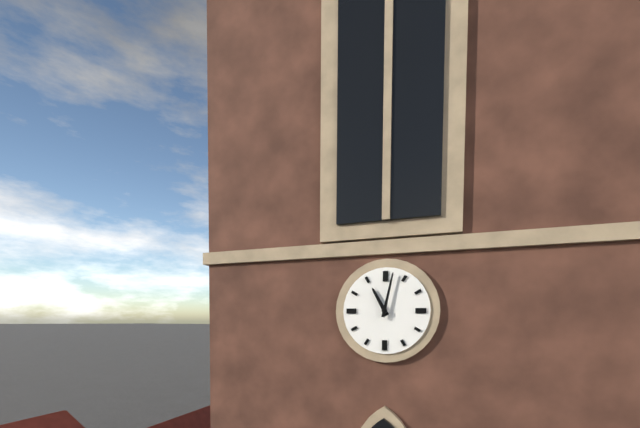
11:02
